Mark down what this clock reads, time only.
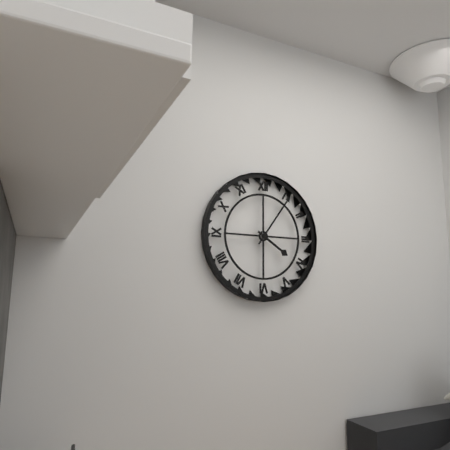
4:06
